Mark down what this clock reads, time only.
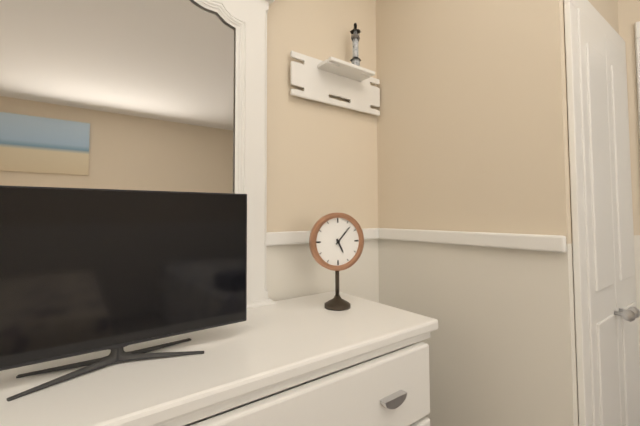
5:07
